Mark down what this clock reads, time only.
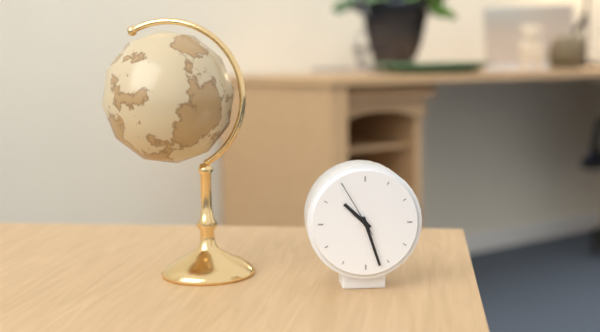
10:27:55
